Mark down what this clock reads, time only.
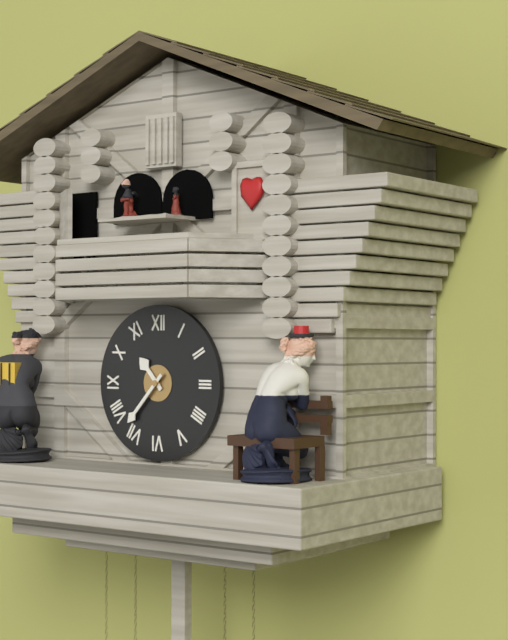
10:37
